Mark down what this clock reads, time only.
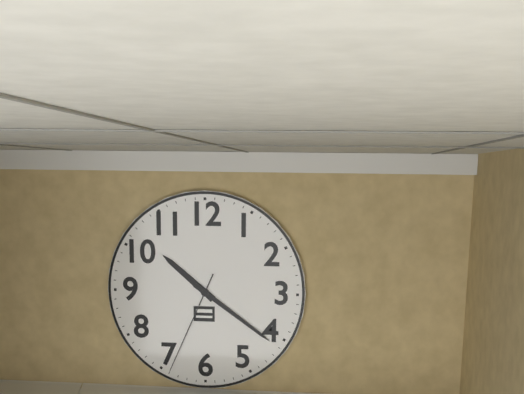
10:21:34
